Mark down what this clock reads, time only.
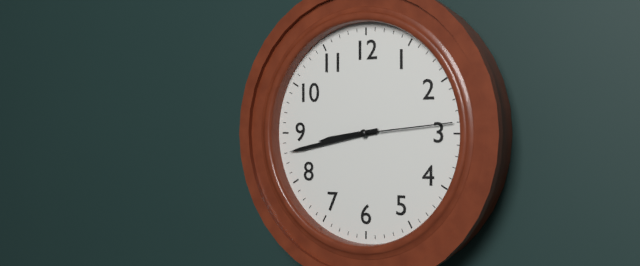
8:43:14
